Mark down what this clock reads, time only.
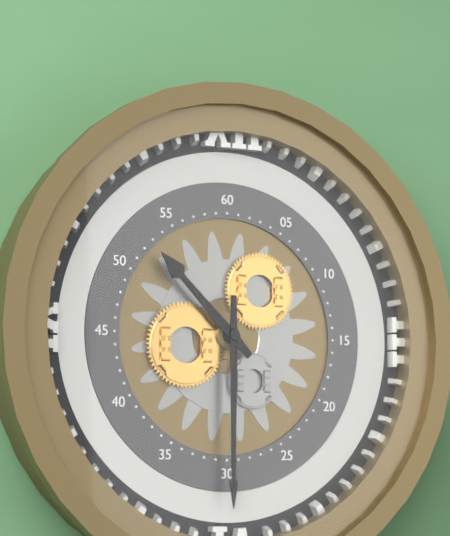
10:30
